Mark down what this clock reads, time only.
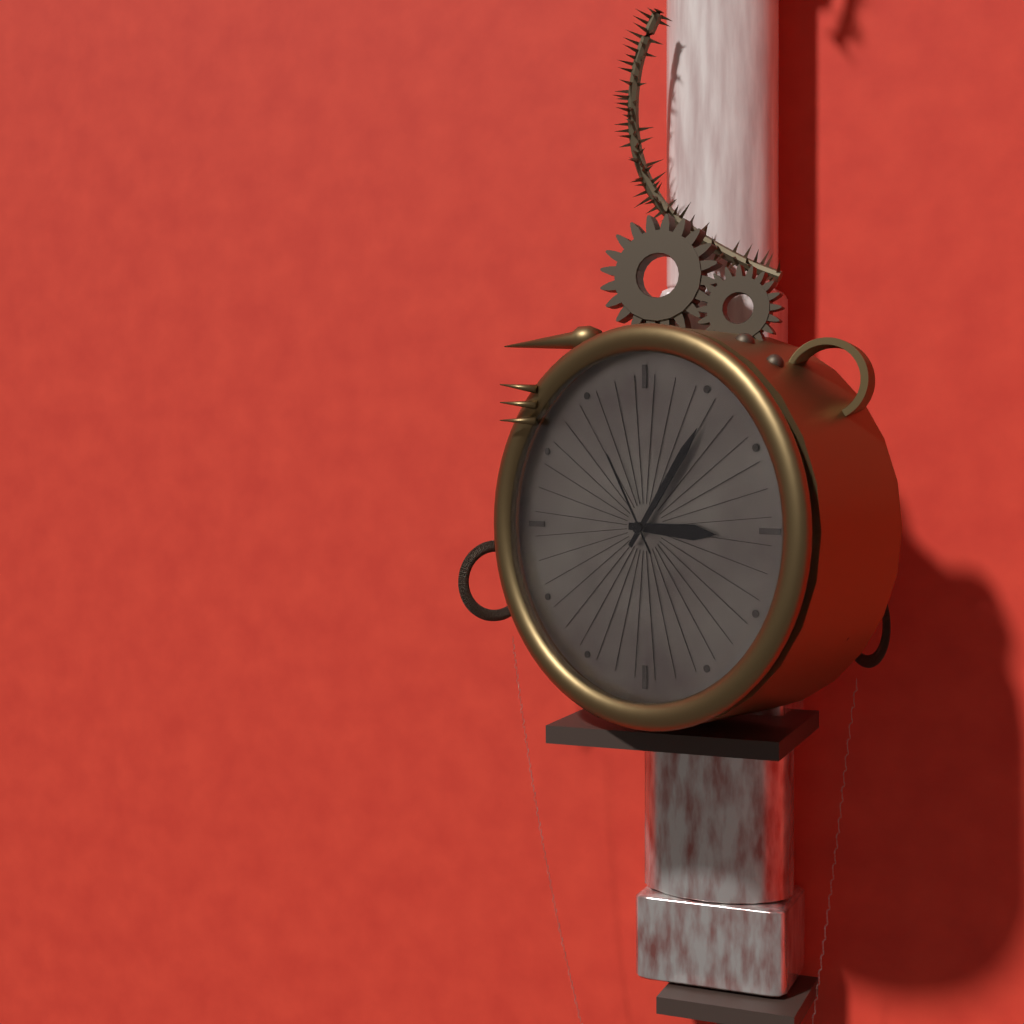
3:06:55
